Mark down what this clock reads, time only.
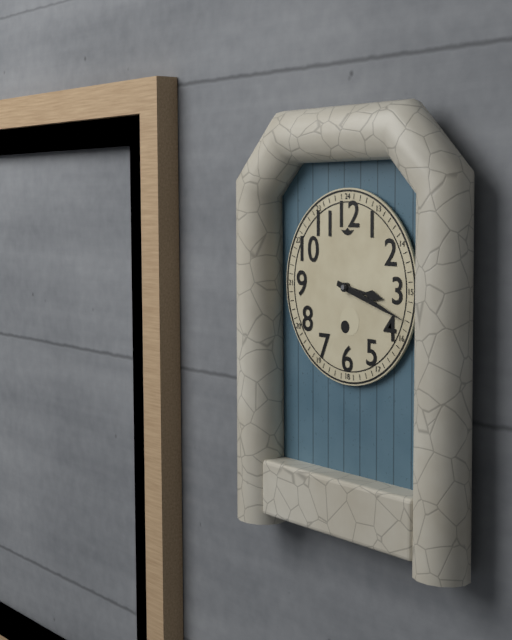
3:18
